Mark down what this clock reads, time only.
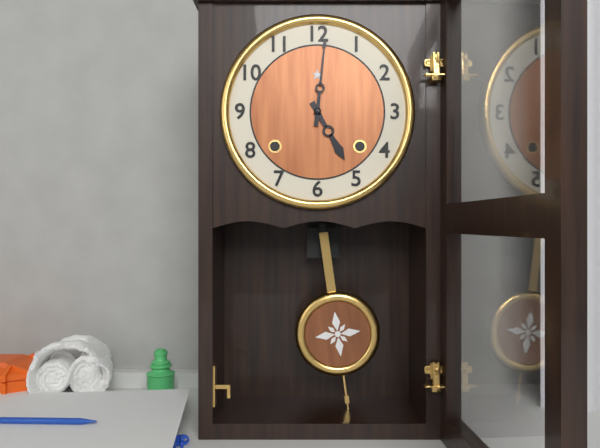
5:01
